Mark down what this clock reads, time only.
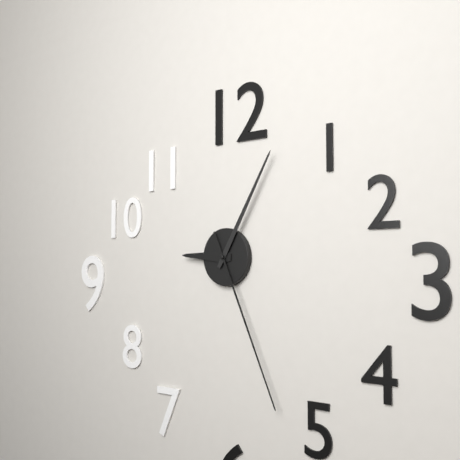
9:05:26
